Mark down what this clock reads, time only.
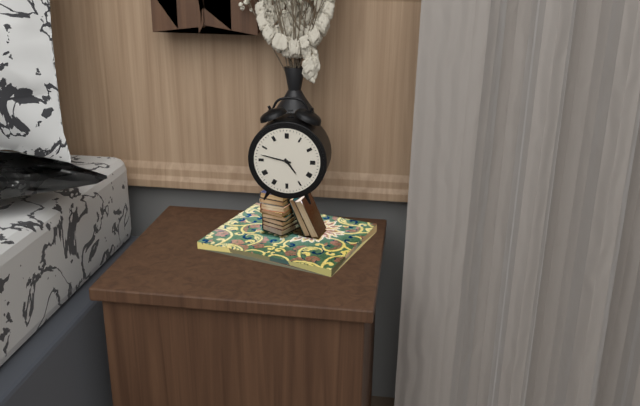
4:47
